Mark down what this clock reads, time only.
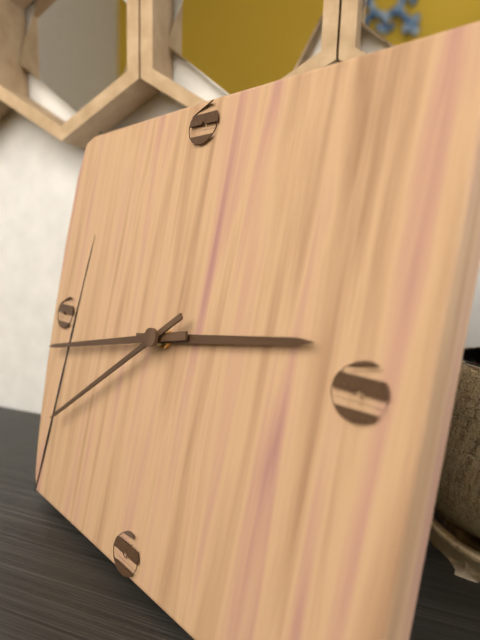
2:43:39
